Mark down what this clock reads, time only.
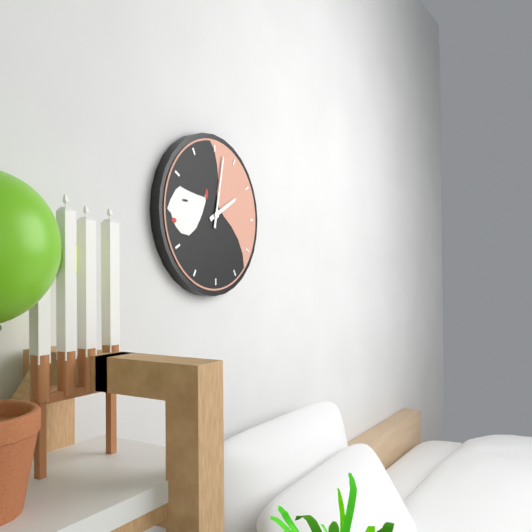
2:02
